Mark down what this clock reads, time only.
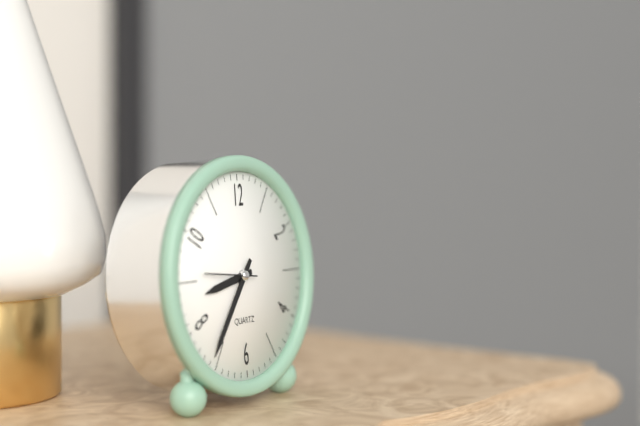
8:36
